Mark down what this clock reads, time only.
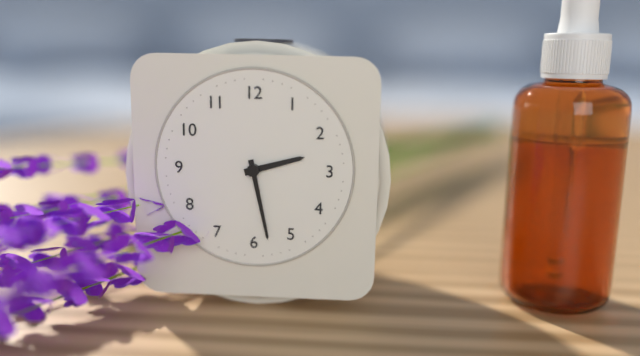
2:28
